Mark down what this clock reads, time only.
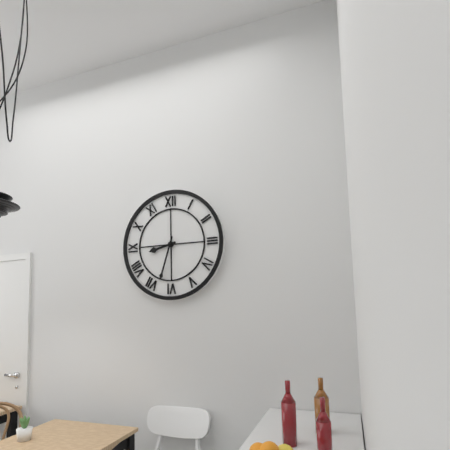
8:33
